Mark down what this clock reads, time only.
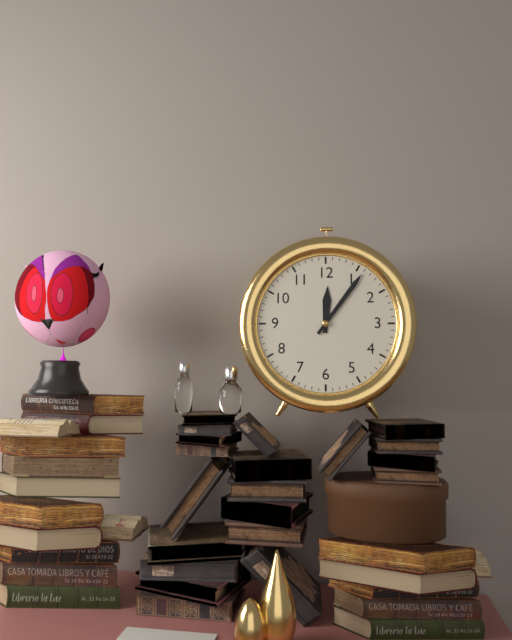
12:06
